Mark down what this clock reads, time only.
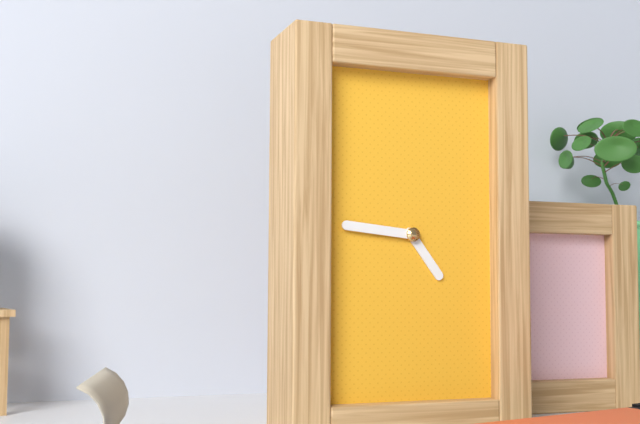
4:46
